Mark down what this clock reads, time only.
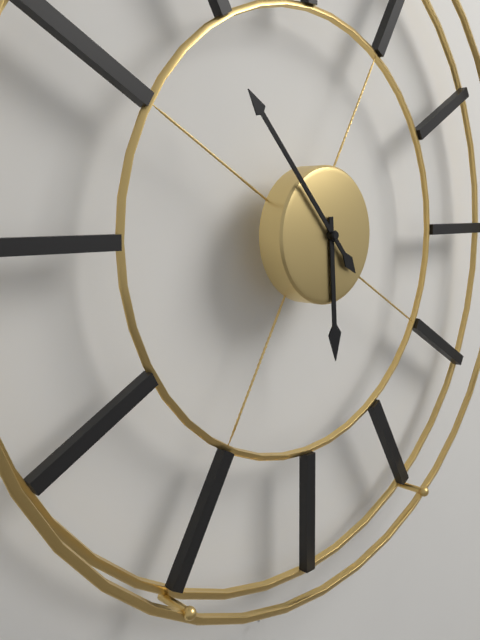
5:53
